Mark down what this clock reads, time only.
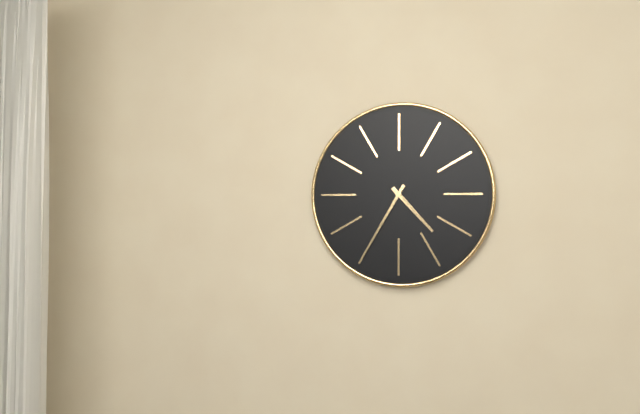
4:35
